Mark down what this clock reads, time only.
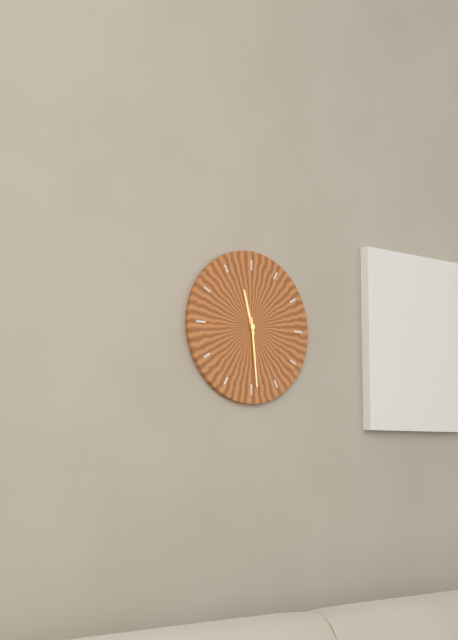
11:29
